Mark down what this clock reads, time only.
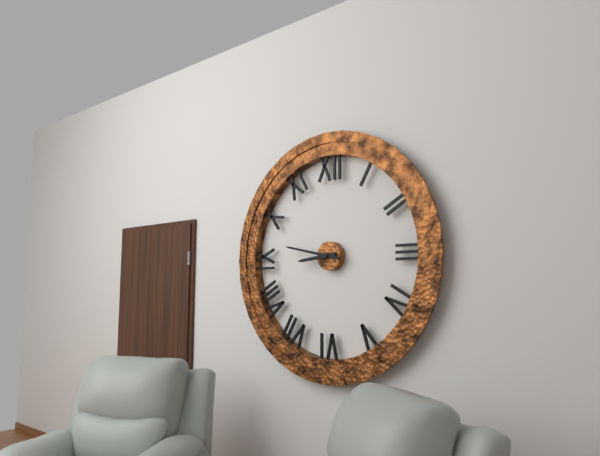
8:47
